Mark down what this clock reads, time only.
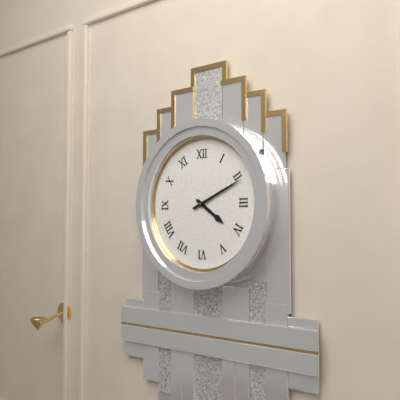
4:11
